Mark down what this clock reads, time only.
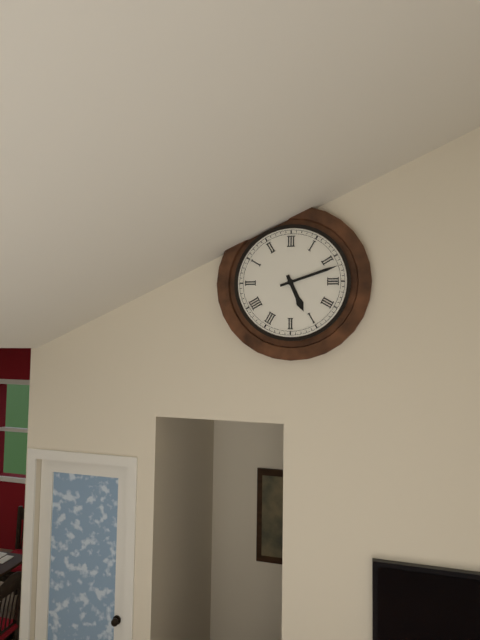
5:12
